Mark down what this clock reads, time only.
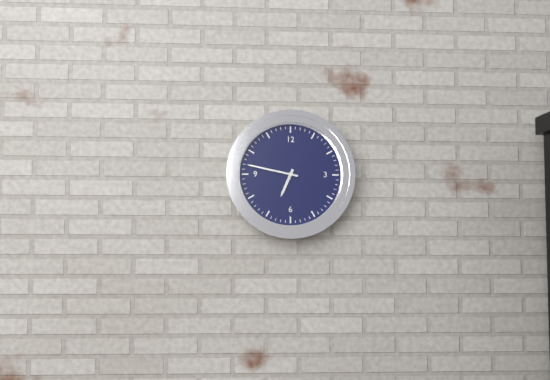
6:47
